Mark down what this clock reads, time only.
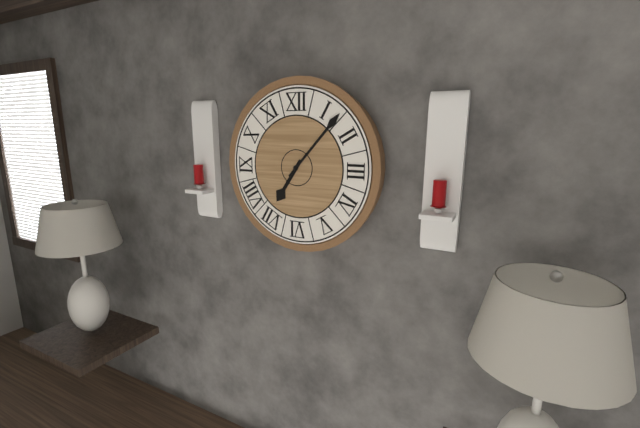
7:07
